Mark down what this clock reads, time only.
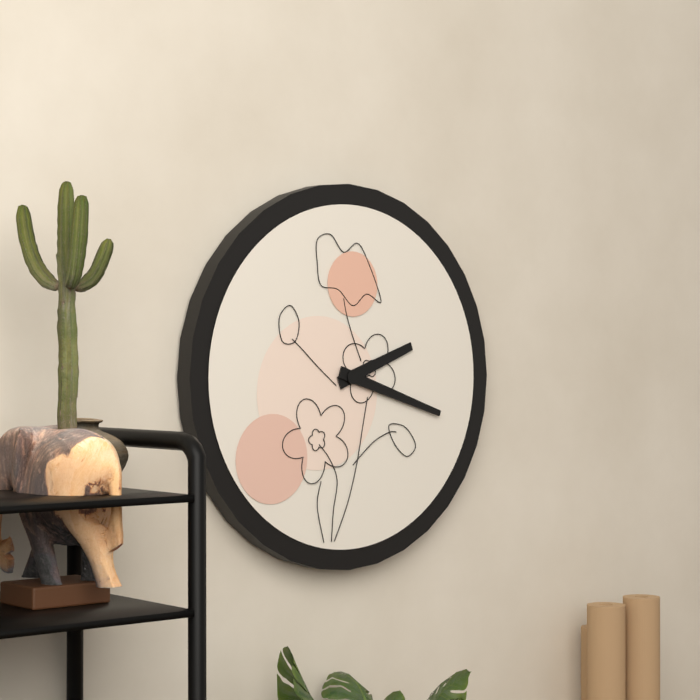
2:18
